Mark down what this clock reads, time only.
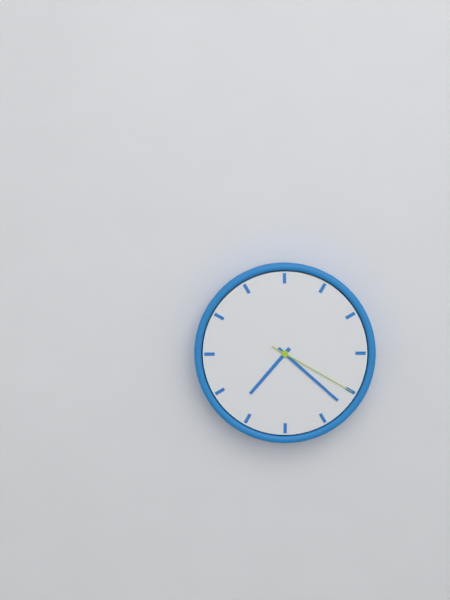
7:22:20
